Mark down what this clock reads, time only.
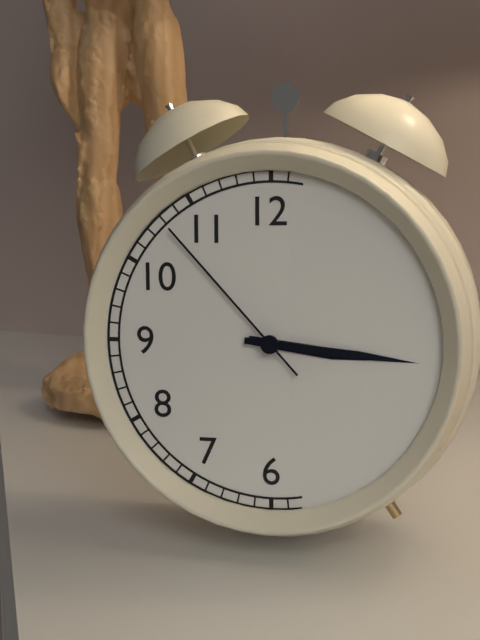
3:16:53
